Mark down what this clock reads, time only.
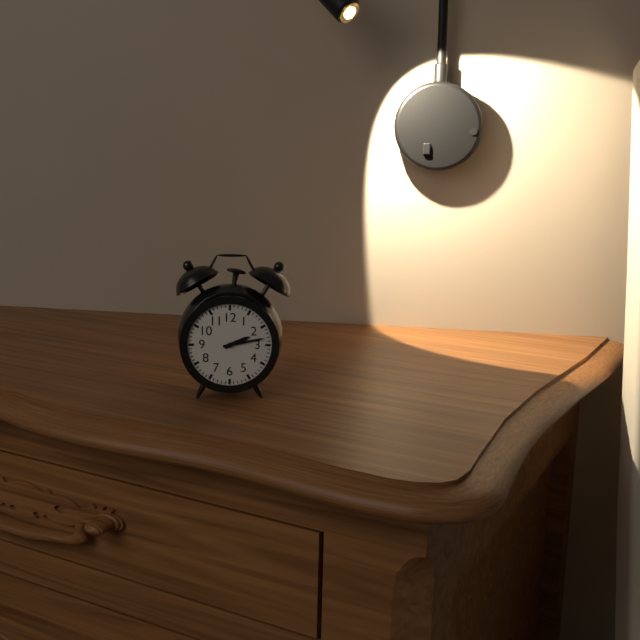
2:13
